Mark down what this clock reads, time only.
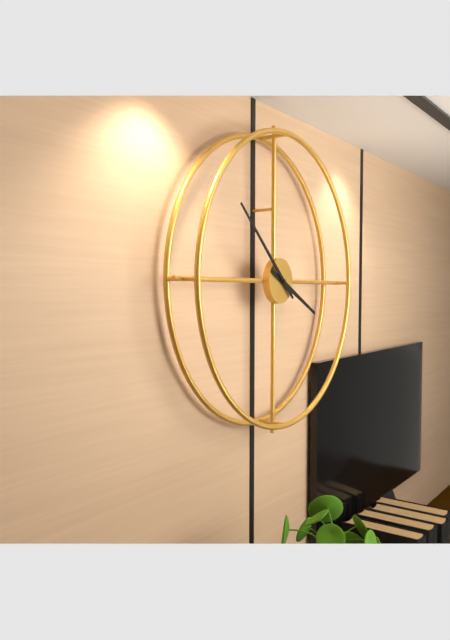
3:52
